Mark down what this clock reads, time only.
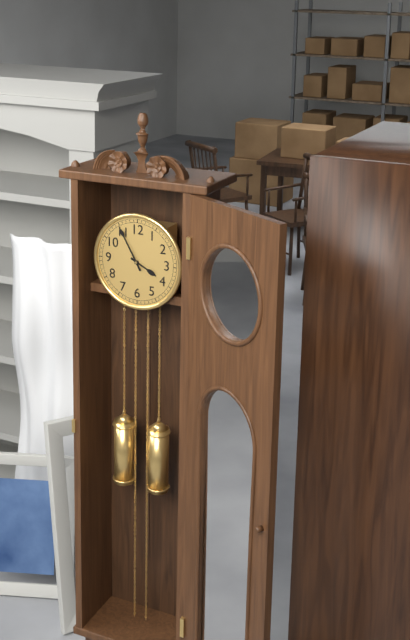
3:55
